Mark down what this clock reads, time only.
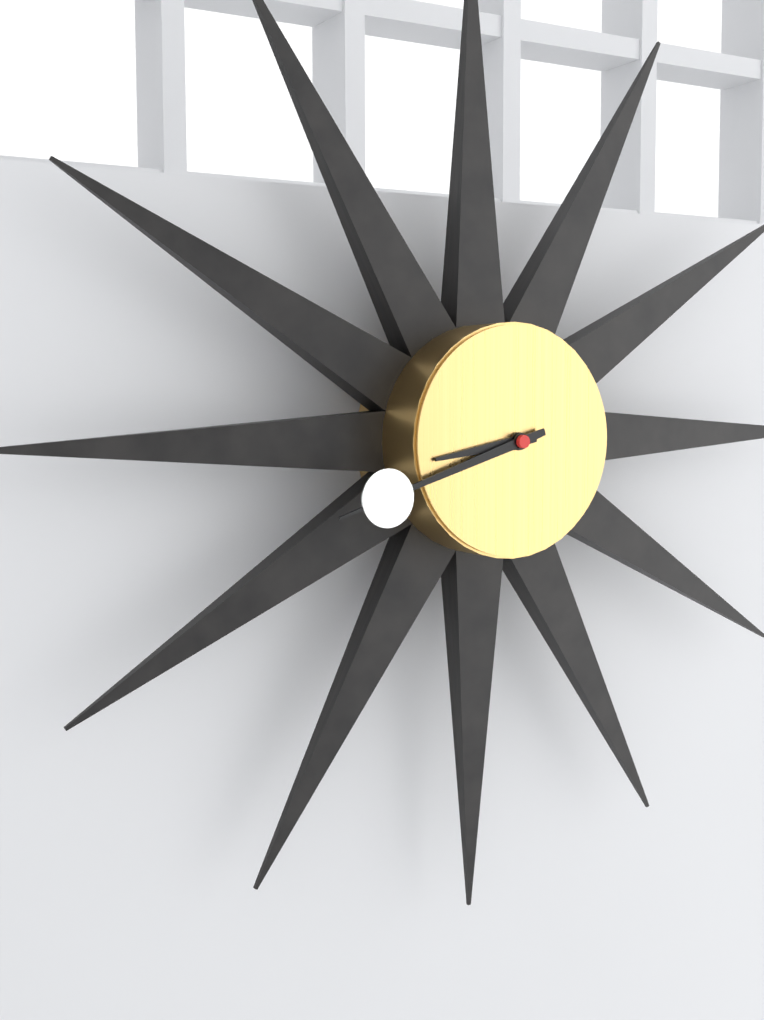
8:42
